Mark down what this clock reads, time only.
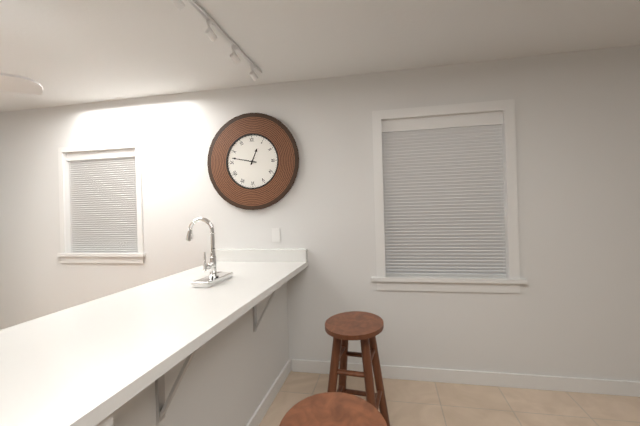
12:47
